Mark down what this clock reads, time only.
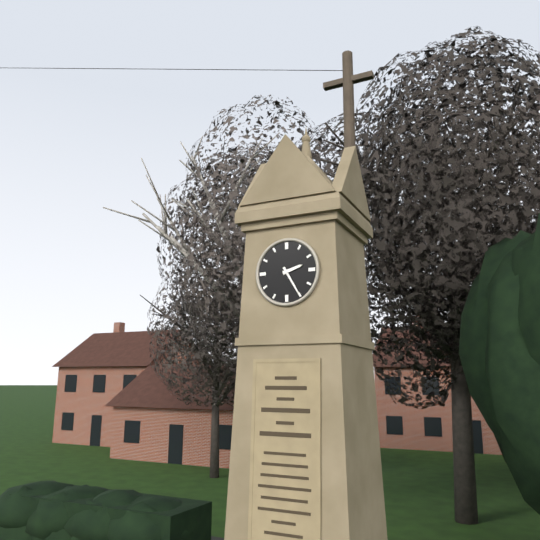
2:25
